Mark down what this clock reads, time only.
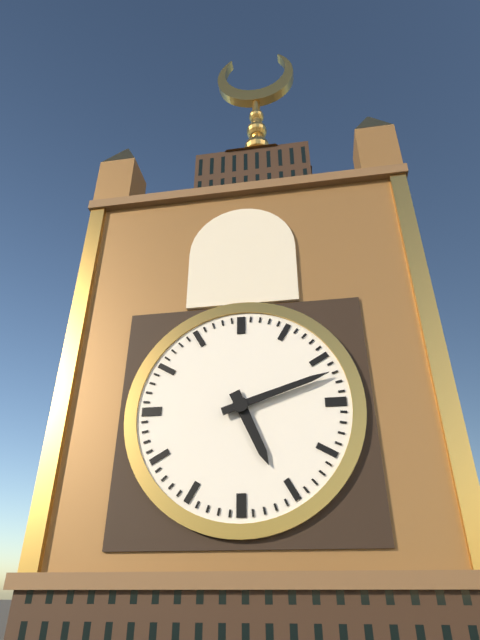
5:12
